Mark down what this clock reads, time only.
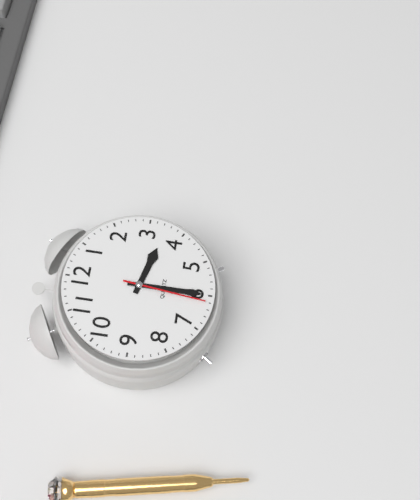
3:30:31
